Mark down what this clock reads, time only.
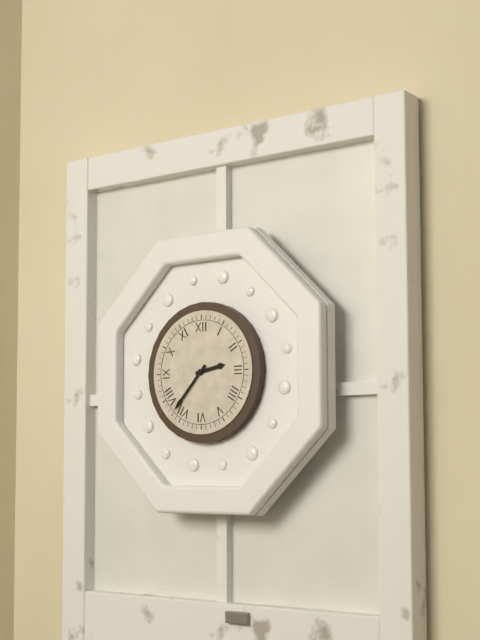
2:37
